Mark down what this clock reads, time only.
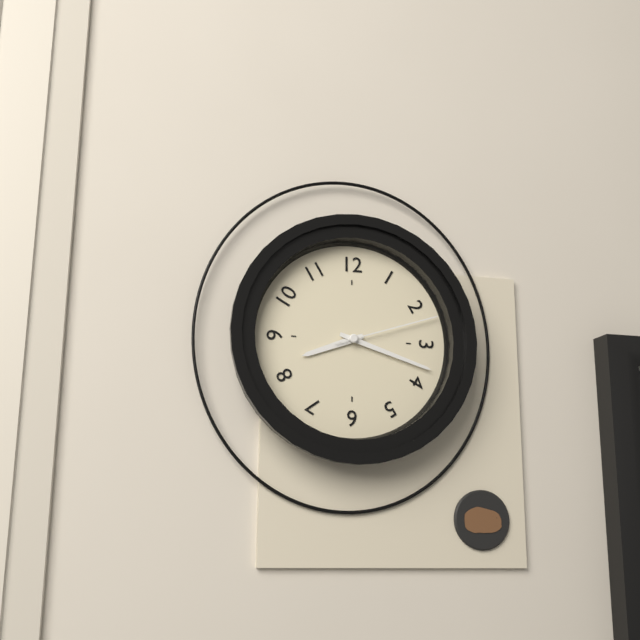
8:18:12
